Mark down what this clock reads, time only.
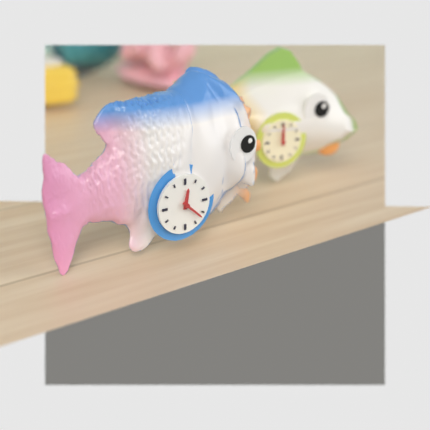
12:22
